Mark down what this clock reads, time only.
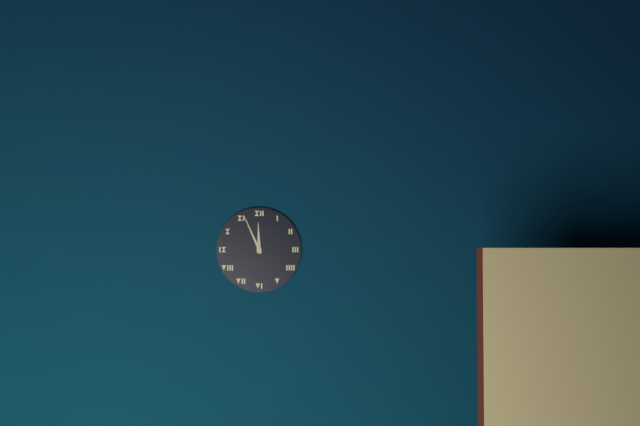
11:56
